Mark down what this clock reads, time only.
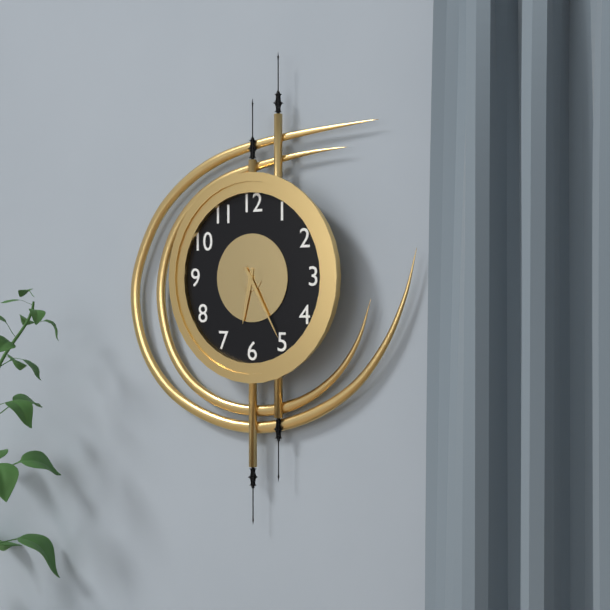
6:25
